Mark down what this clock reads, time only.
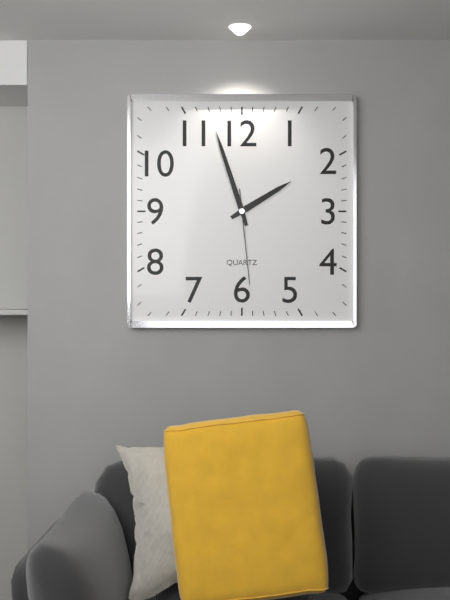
1:57:29
